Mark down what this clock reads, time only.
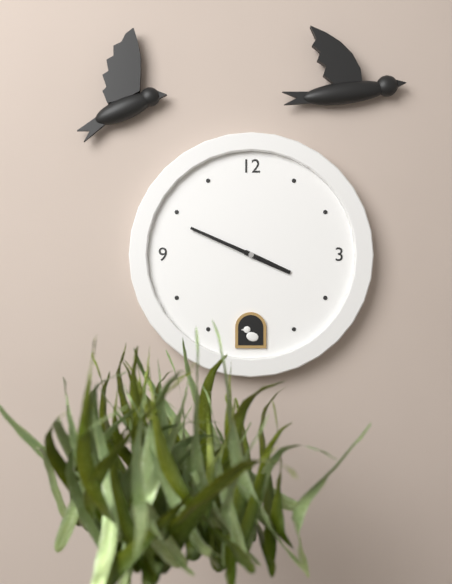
3:49
